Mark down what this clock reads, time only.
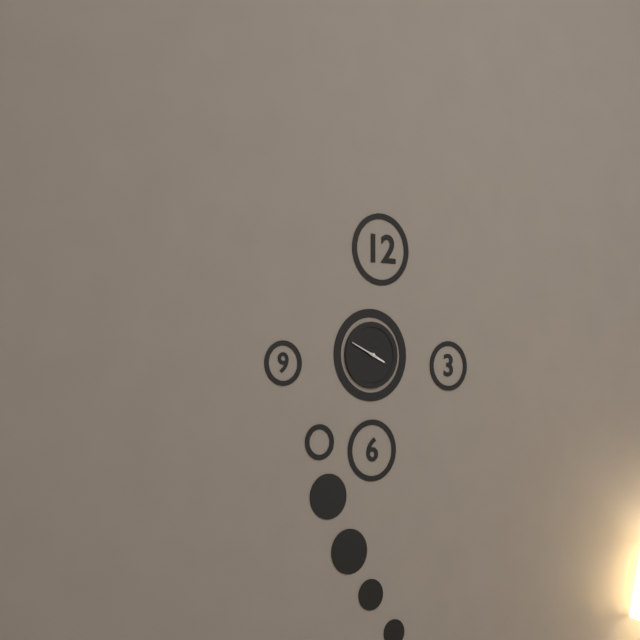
3:49
